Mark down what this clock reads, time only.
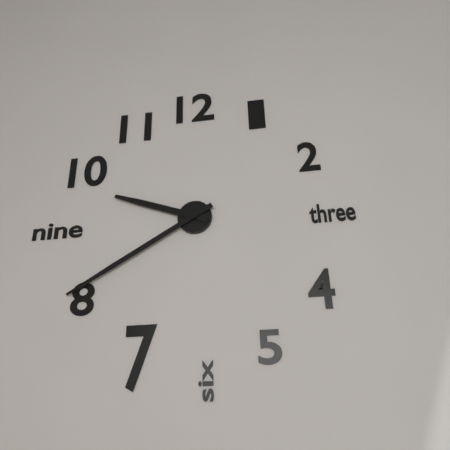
9:40
